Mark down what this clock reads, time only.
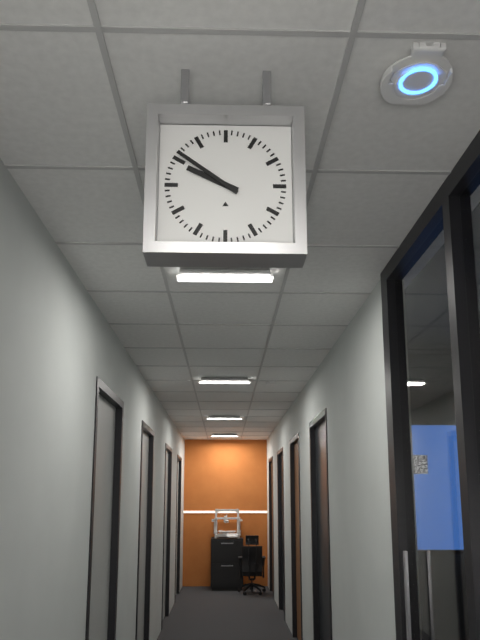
9:51
